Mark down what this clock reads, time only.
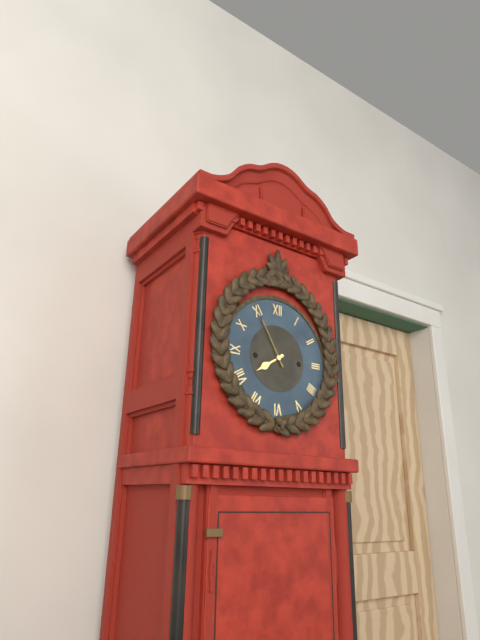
7:55
